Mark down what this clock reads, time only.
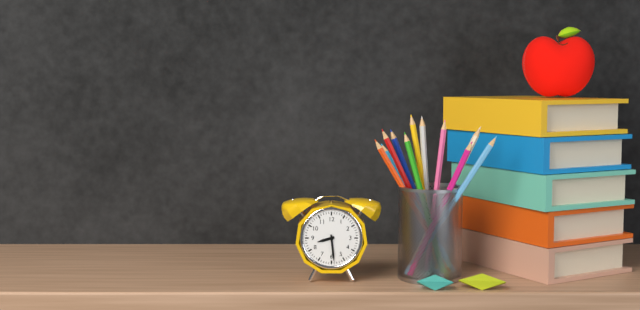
8:29
